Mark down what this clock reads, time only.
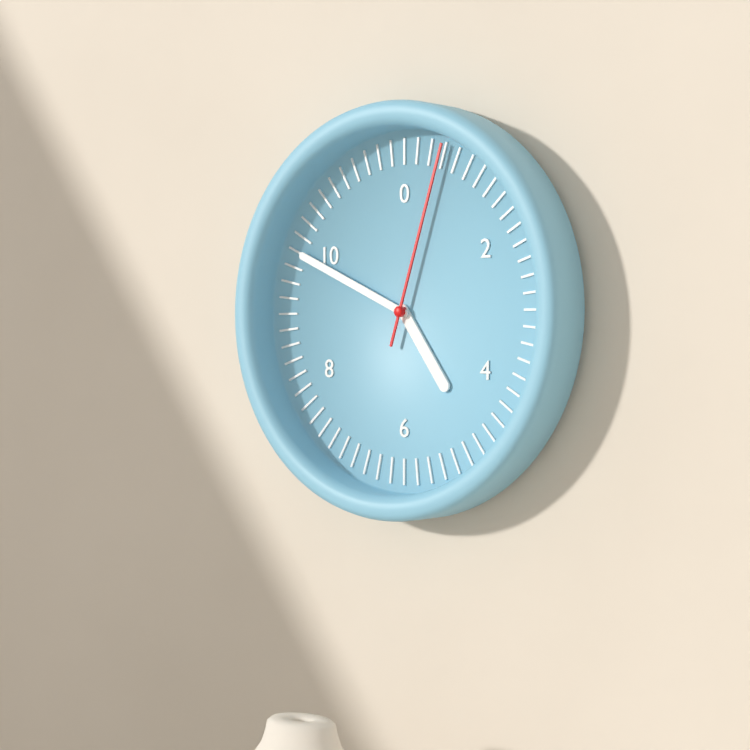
4:49:03
